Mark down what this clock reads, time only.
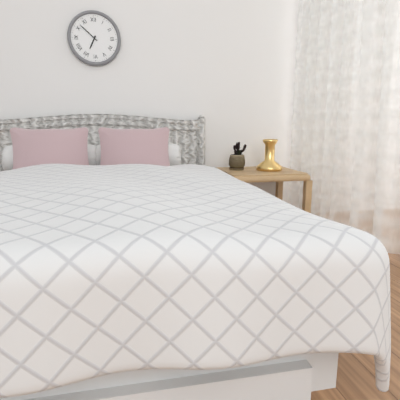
6:52
